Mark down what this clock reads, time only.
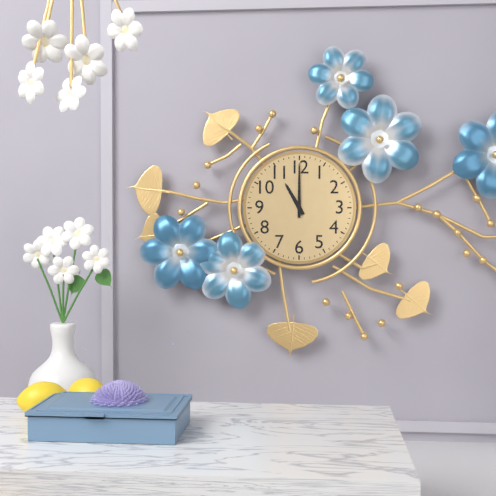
11:00
